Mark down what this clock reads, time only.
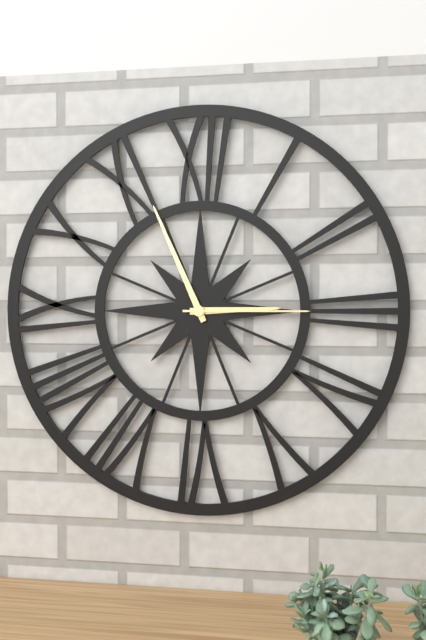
2:56:15
